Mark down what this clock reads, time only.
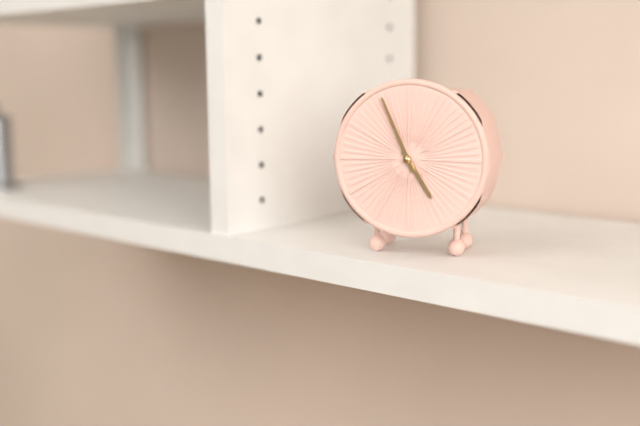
4:56
